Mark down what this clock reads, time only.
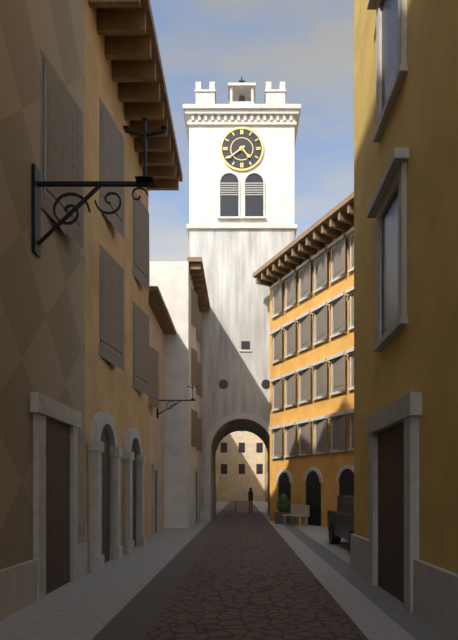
4:39
